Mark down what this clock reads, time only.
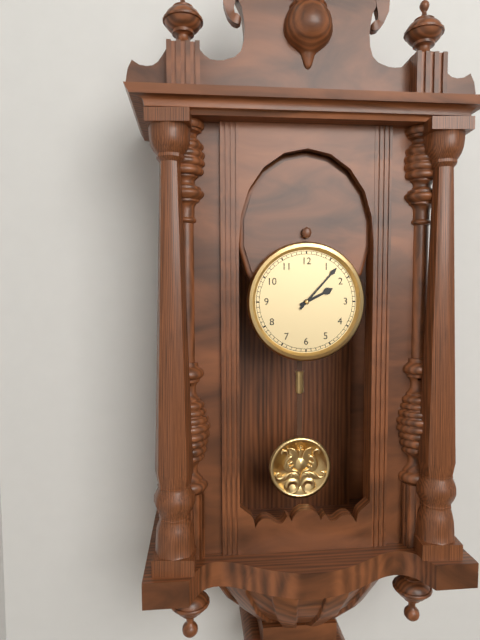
2:07
